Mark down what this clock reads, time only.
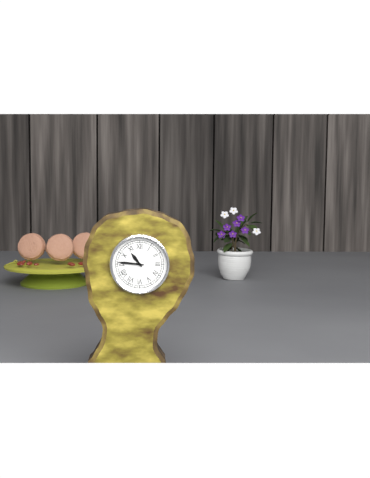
10:46
